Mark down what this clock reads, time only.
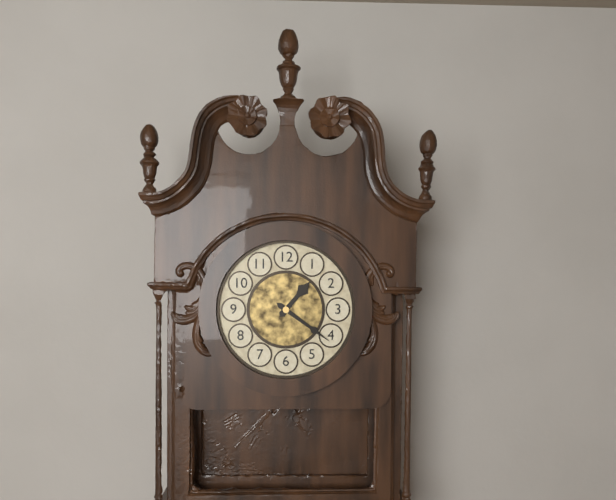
1:21
